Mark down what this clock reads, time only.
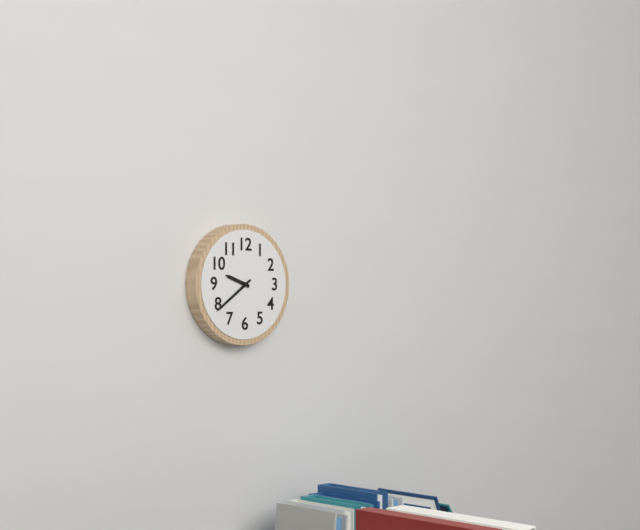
9:39
